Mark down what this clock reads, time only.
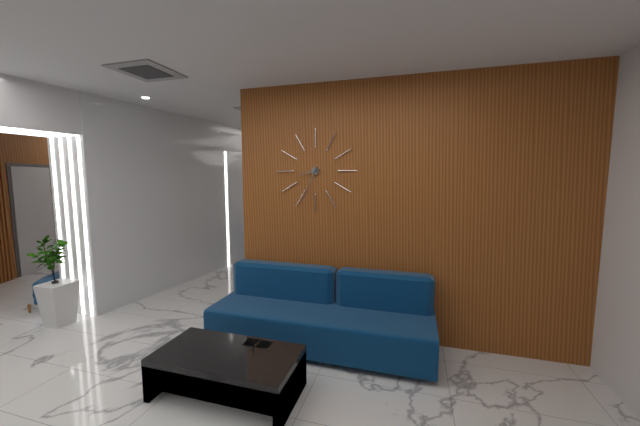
8:34
